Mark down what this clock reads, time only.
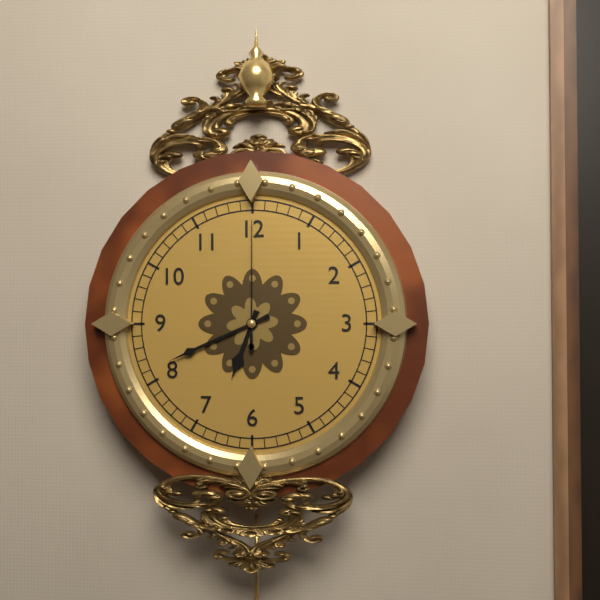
6:41:00
